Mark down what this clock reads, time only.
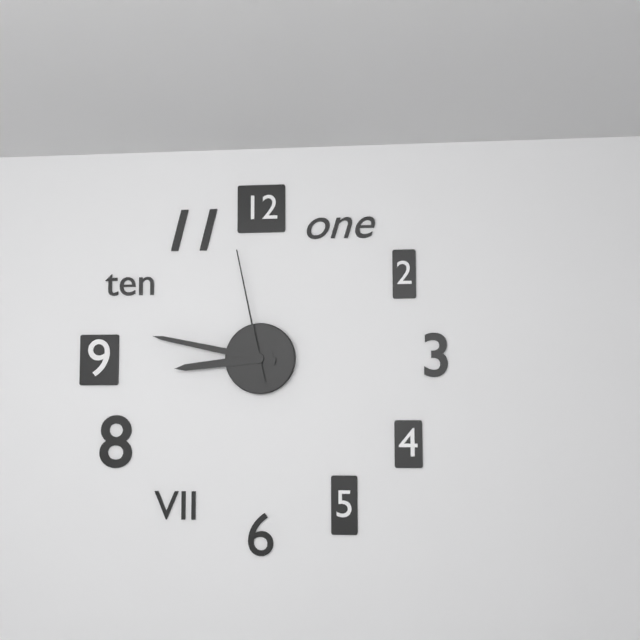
8:47:58
